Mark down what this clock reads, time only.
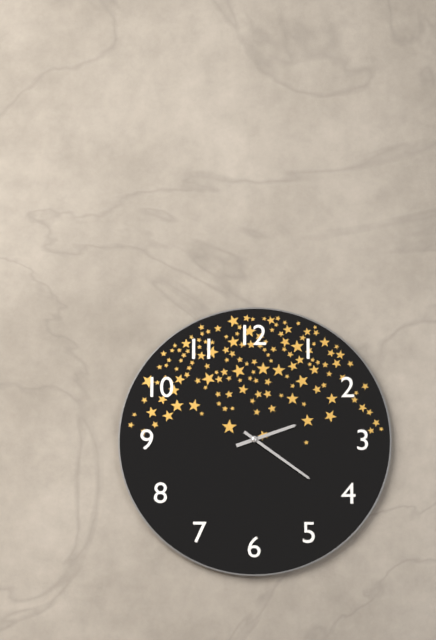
2:21
